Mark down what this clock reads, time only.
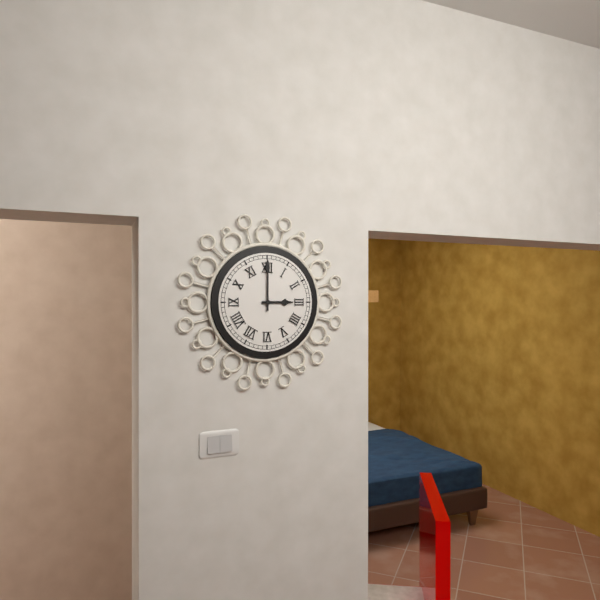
3:00
